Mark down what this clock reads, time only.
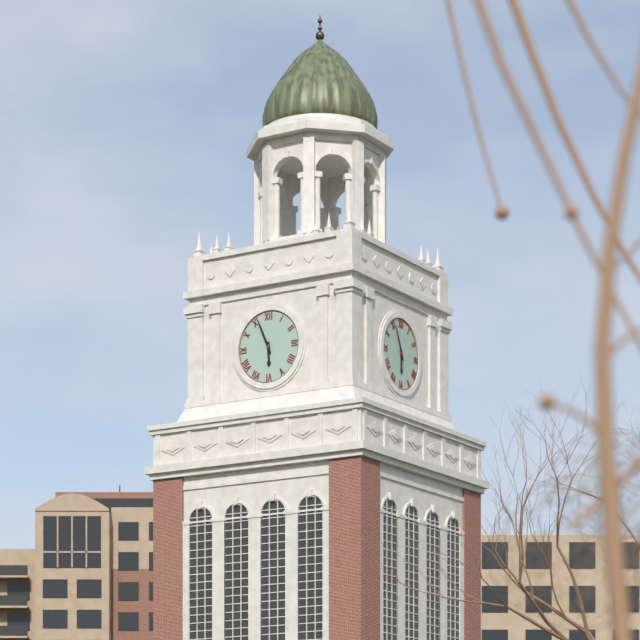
5:56
